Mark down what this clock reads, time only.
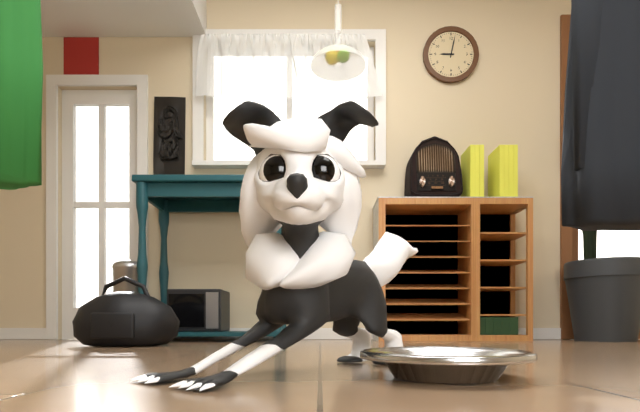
9:02
